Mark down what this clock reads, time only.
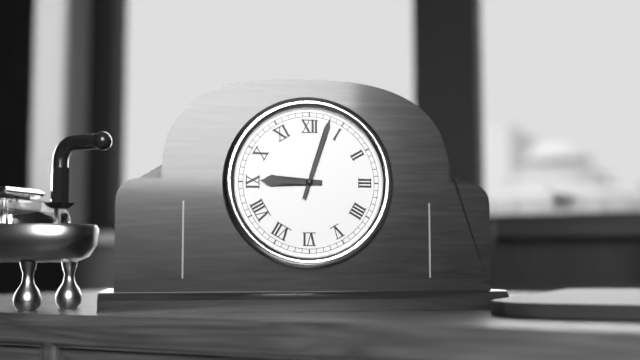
9:03
